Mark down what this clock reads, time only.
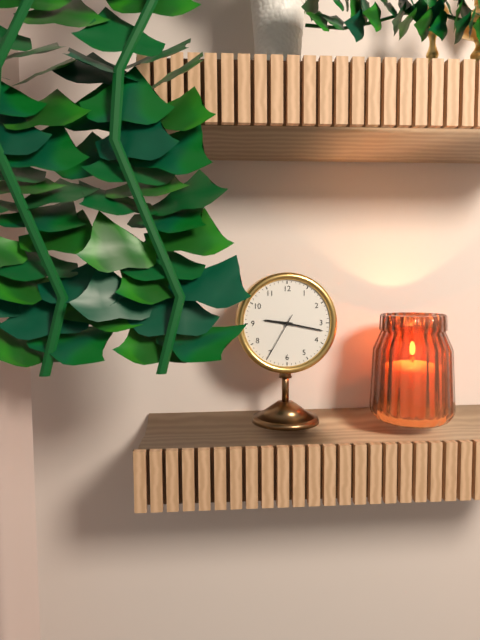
9:17
